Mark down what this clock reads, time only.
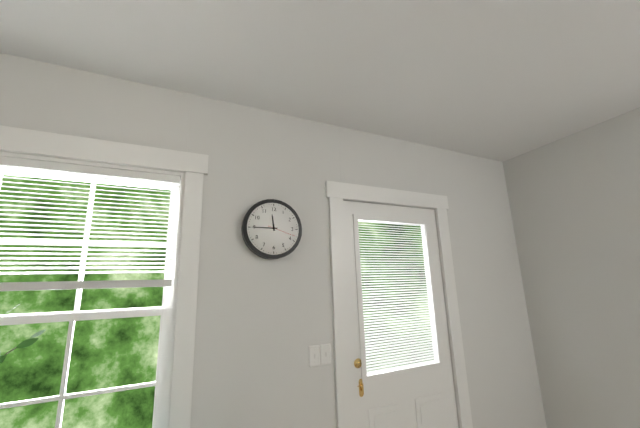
11:45
